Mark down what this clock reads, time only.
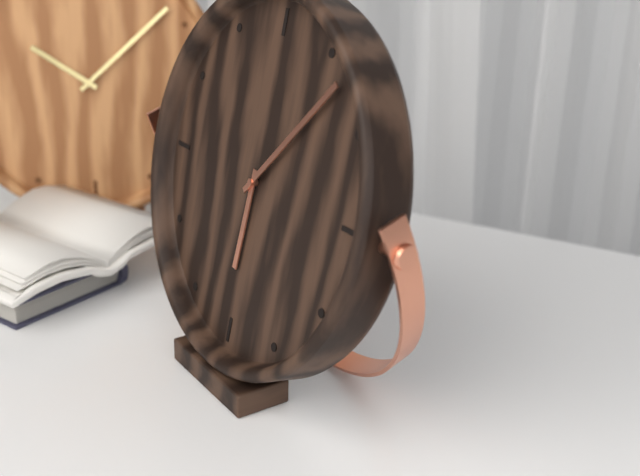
6:07
